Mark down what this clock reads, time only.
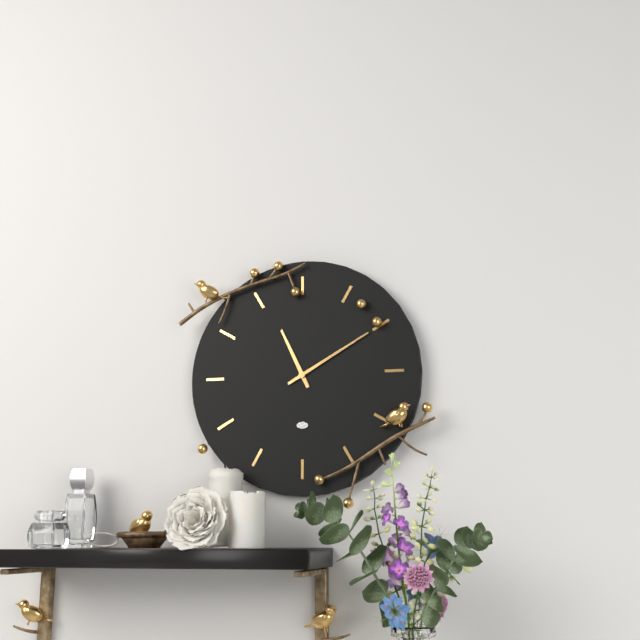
11:10
